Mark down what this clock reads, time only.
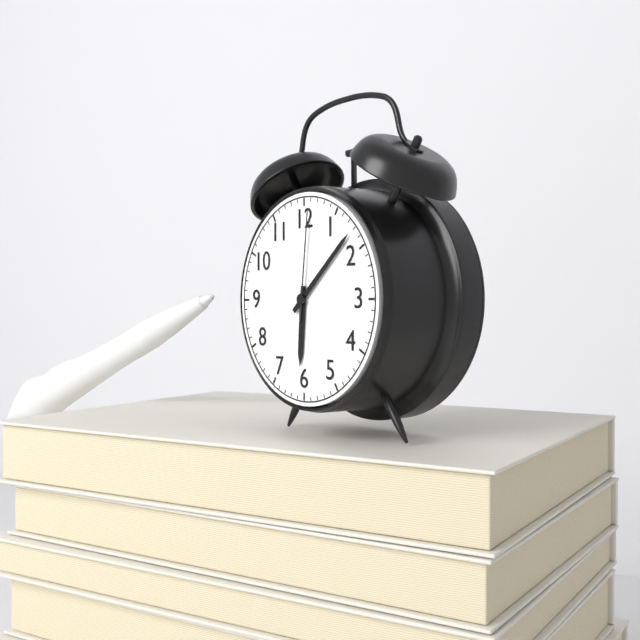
6:08:01
